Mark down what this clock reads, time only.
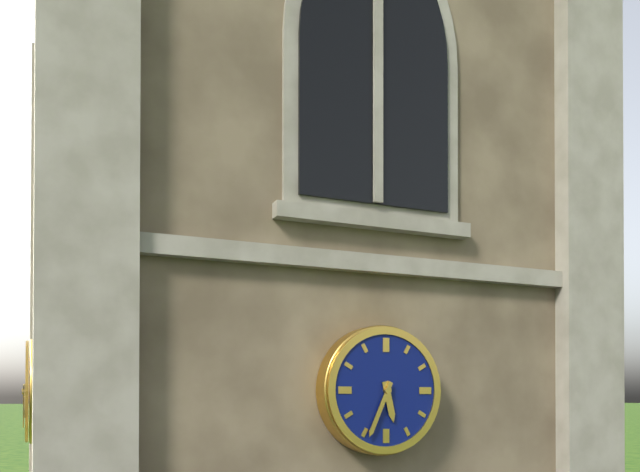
5:34
